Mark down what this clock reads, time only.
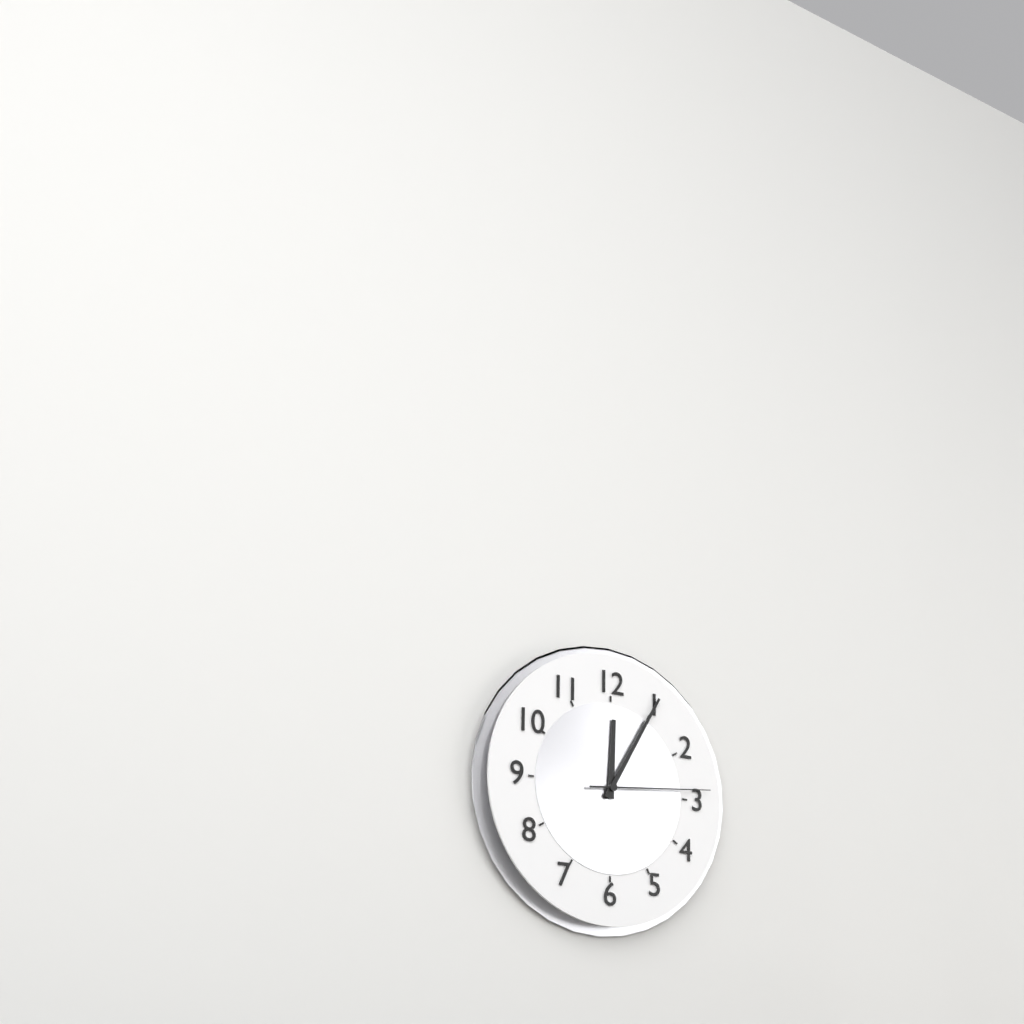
12:05:14
